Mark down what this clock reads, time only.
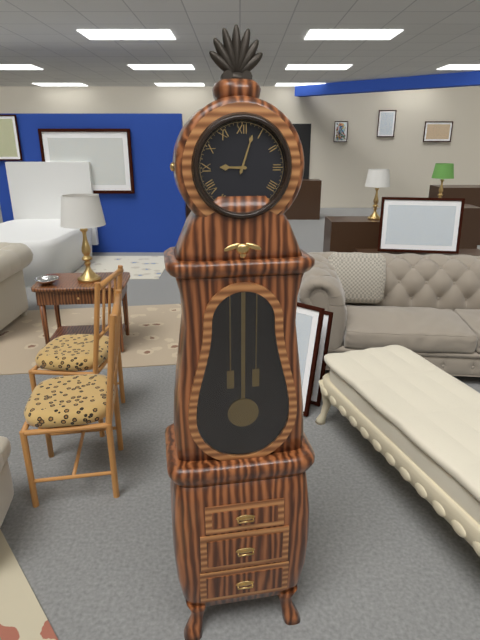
9:03
